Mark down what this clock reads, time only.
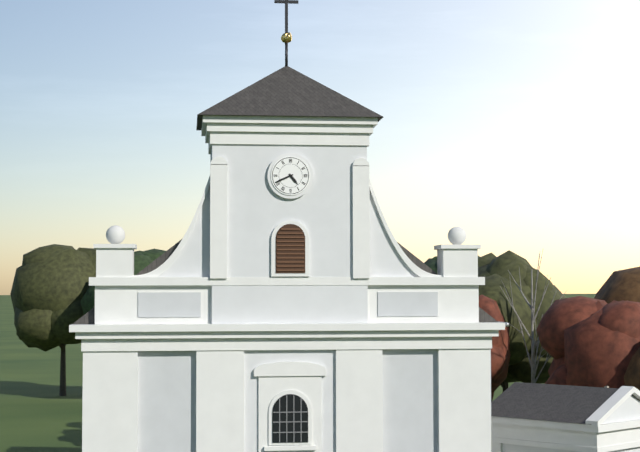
4:41
